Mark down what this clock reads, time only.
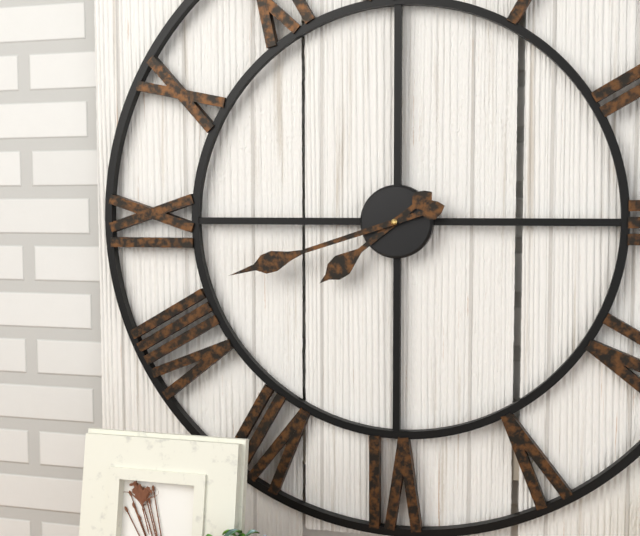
7:42
